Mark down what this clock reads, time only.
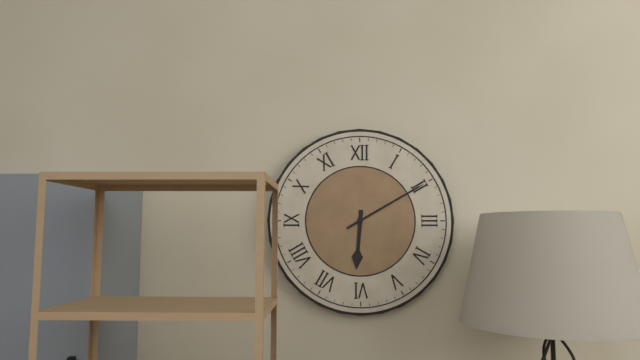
6:10
